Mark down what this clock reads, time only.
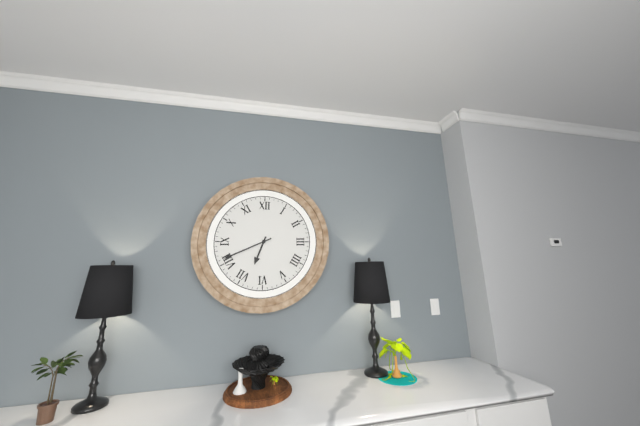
6:41
